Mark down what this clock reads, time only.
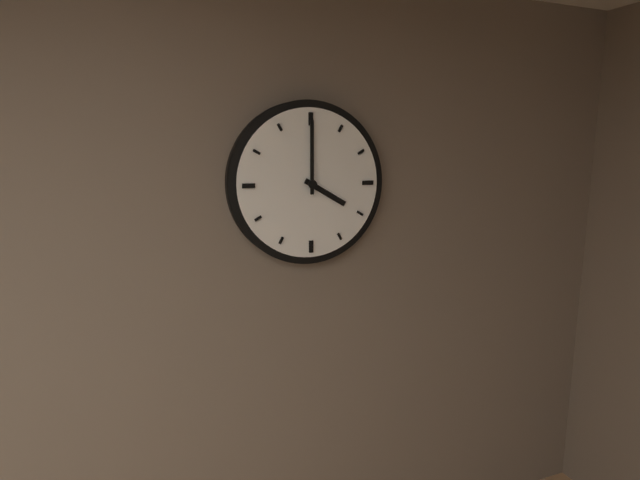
4:00
